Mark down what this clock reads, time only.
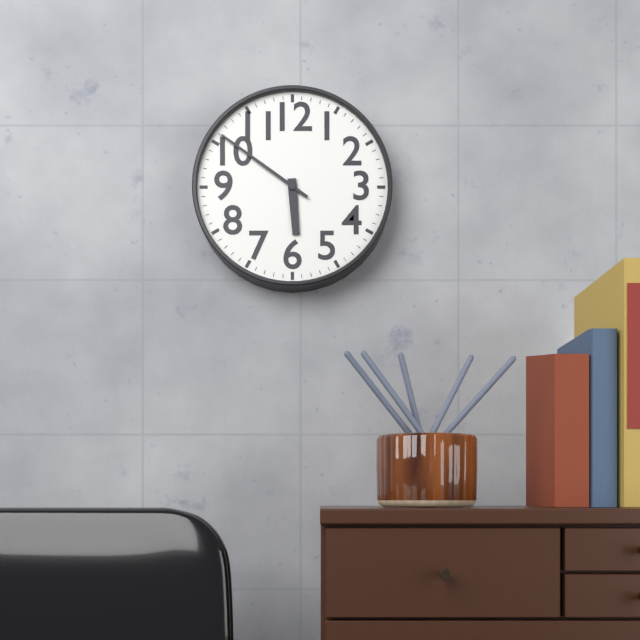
5:51
